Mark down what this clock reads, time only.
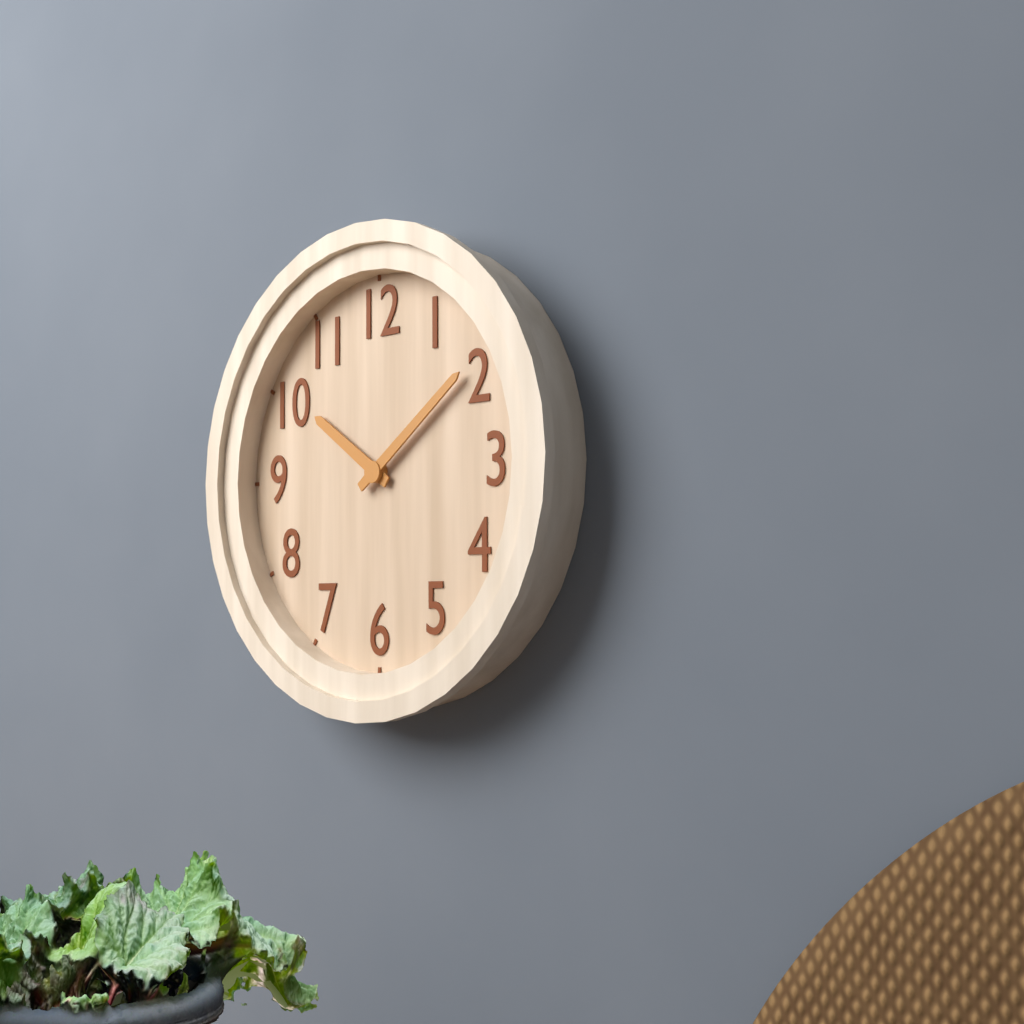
10:09
